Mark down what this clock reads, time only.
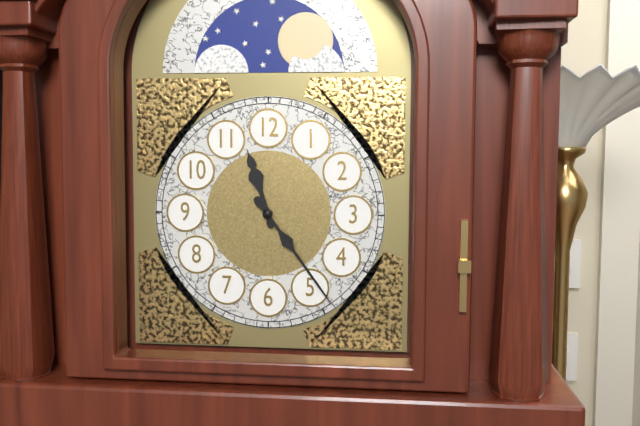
11:24
